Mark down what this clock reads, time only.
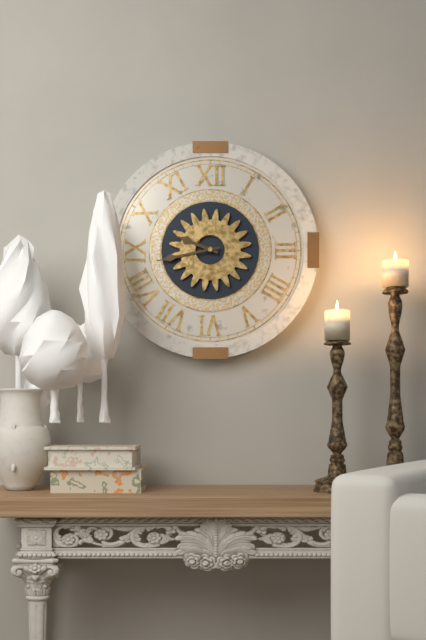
9:43
